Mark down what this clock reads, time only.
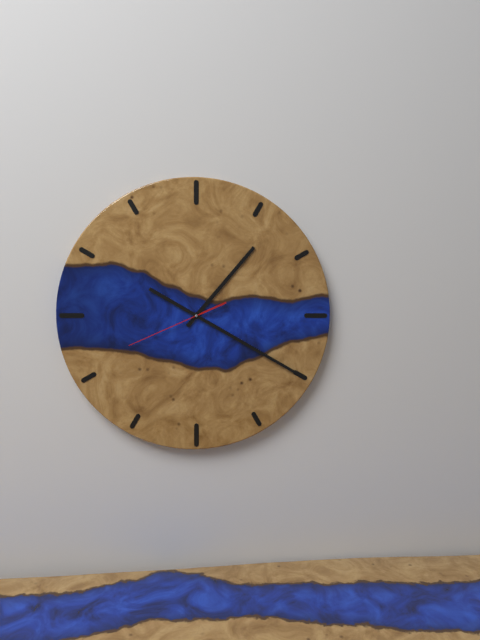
1:20:41
